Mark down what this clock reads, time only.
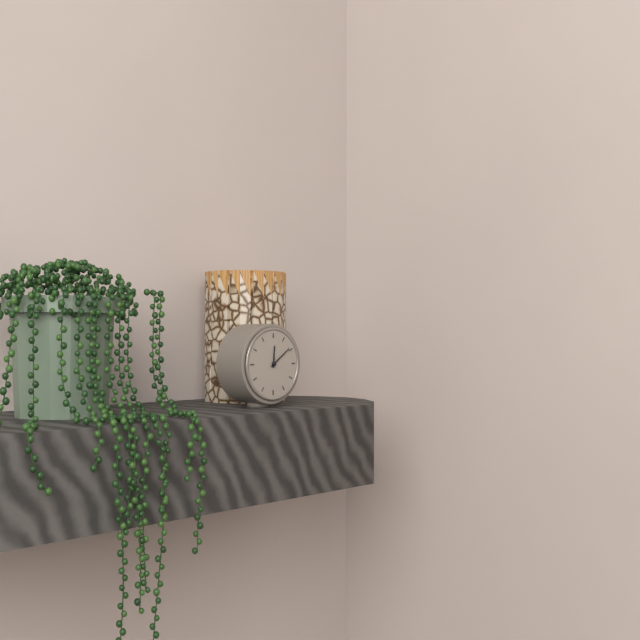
12:09
